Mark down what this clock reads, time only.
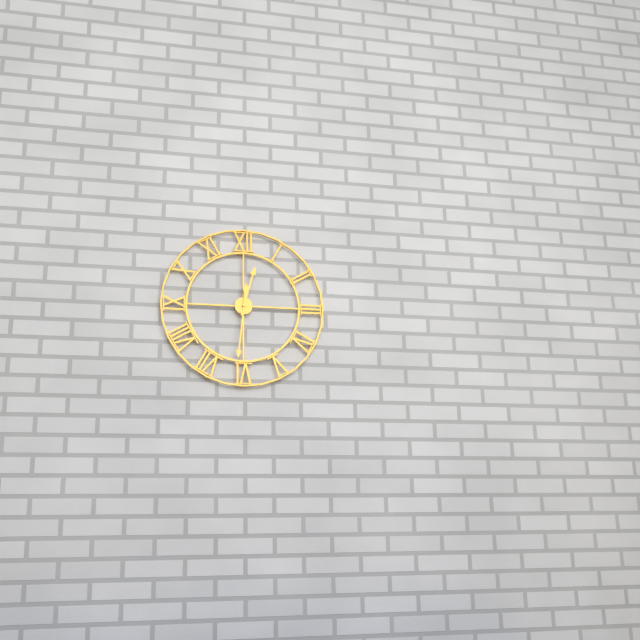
12:31
